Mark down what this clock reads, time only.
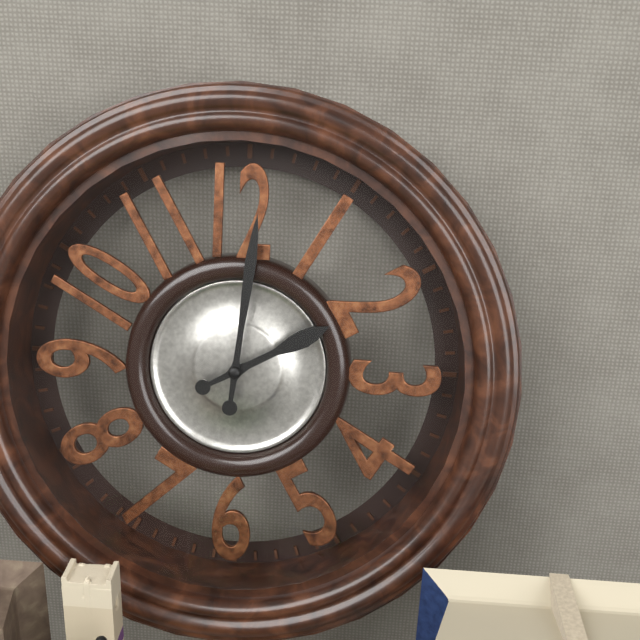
2:01
